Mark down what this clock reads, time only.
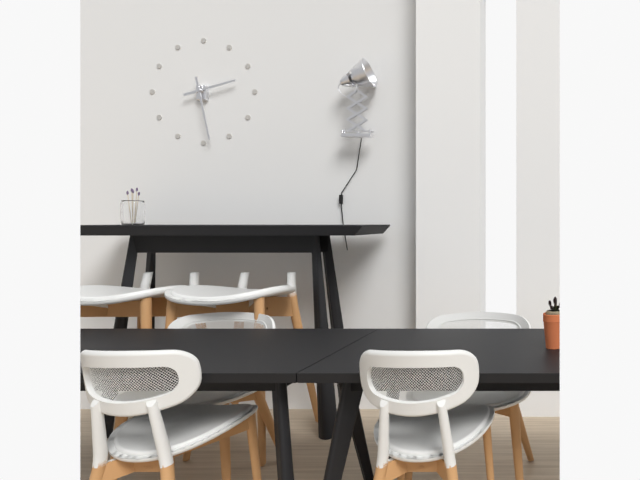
2:28
